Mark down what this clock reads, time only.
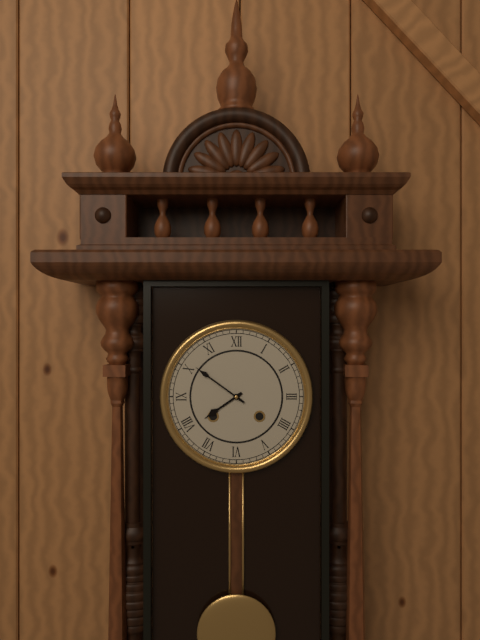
7:51
